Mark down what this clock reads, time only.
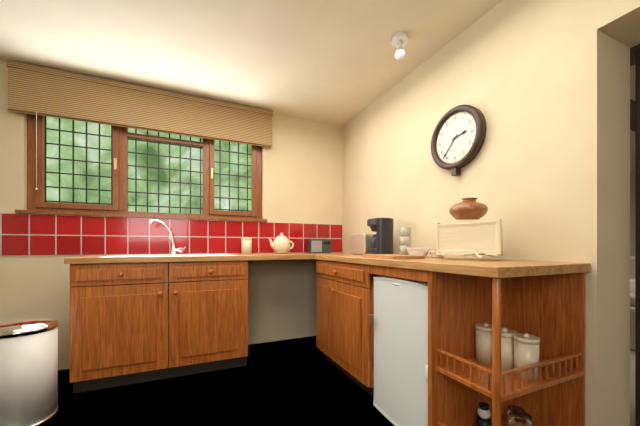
2:37
